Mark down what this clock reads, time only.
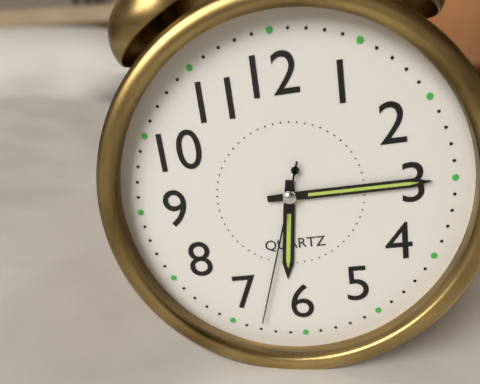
6:15:33
